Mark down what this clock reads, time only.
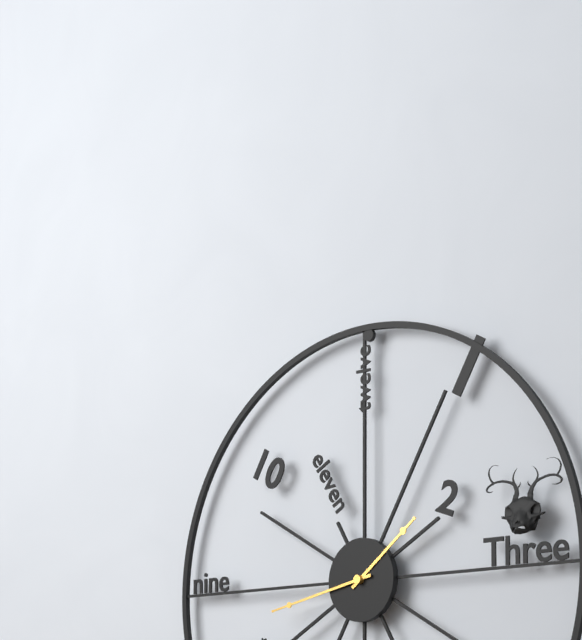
1:43
